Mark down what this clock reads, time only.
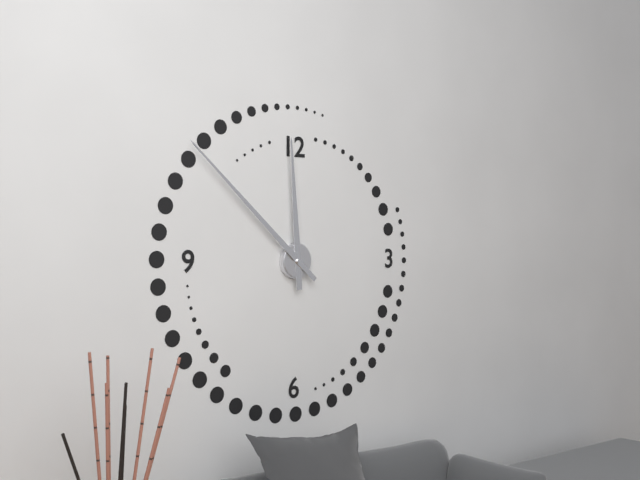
11:52
